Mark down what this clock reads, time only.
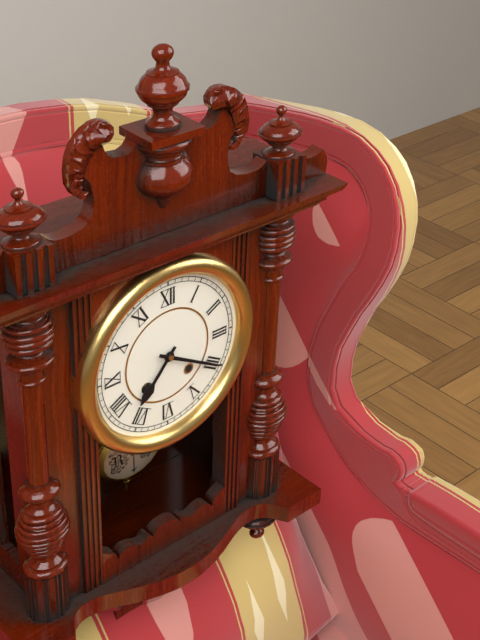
7:20
